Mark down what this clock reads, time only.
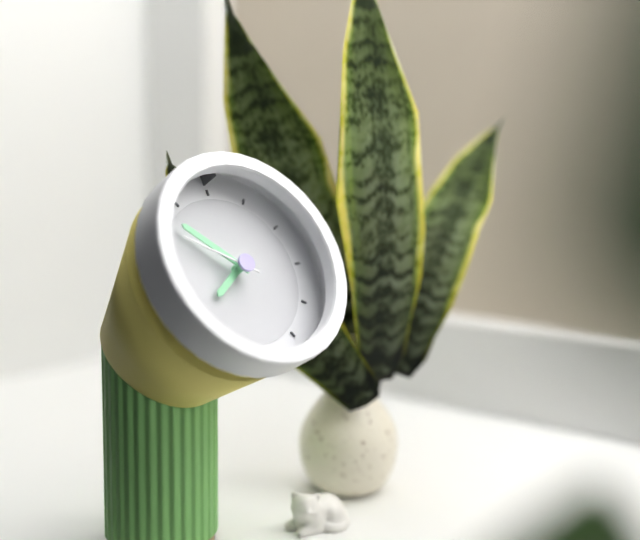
7:52:50
